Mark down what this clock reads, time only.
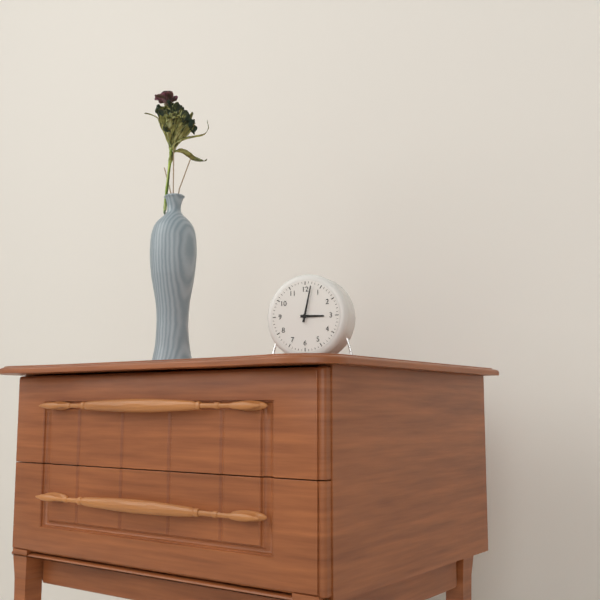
3:02
